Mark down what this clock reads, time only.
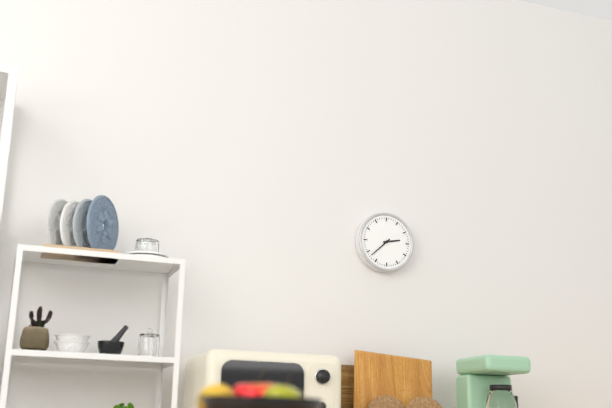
2:38
